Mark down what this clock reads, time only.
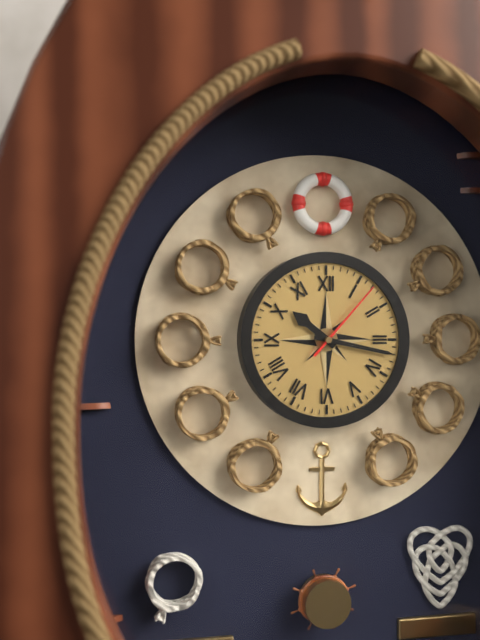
10:17:07
